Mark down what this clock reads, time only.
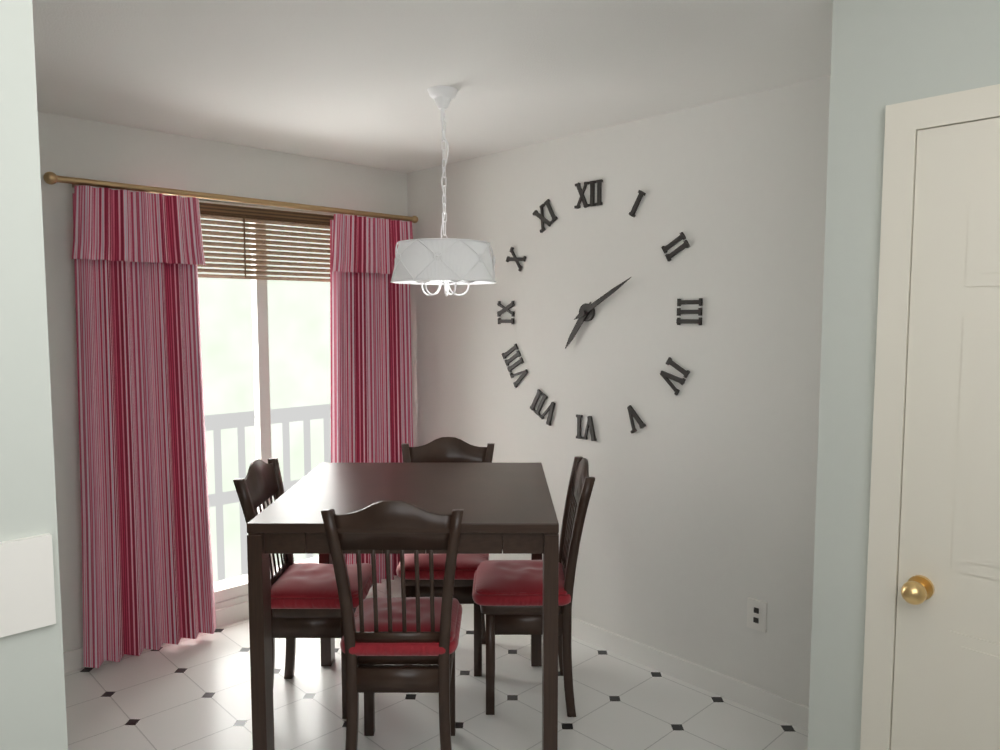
7:10
